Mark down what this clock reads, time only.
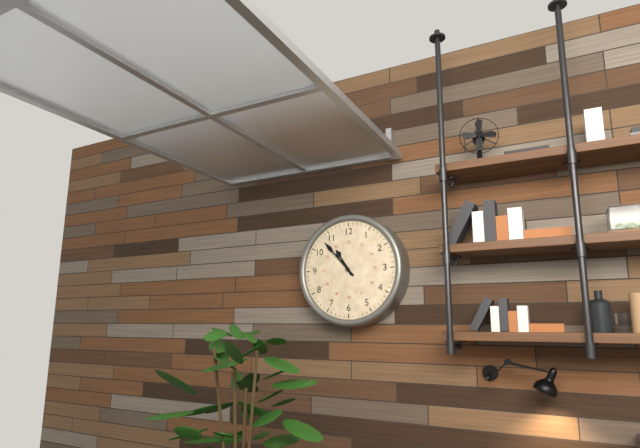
10:53
